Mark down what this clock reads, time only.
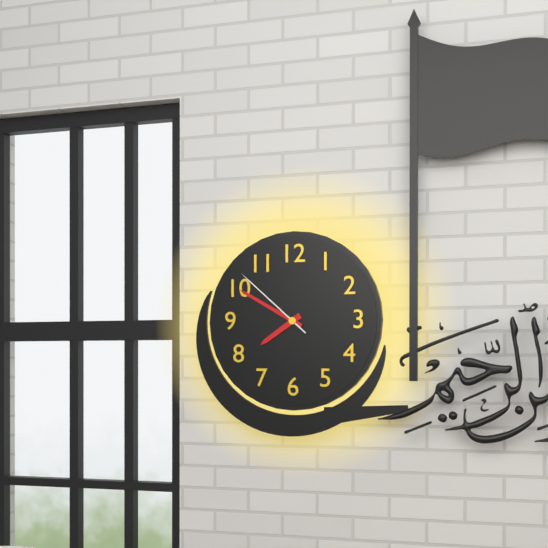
7:50:52
